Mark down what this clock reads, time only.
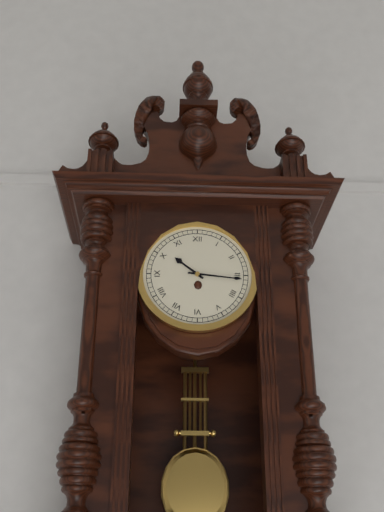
10:16
